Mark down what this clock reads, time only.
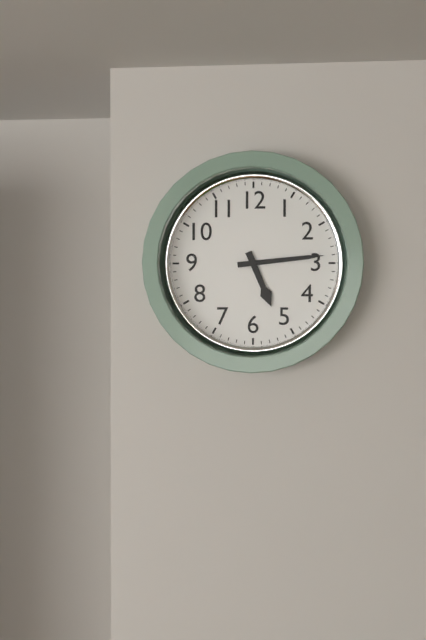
5:14
